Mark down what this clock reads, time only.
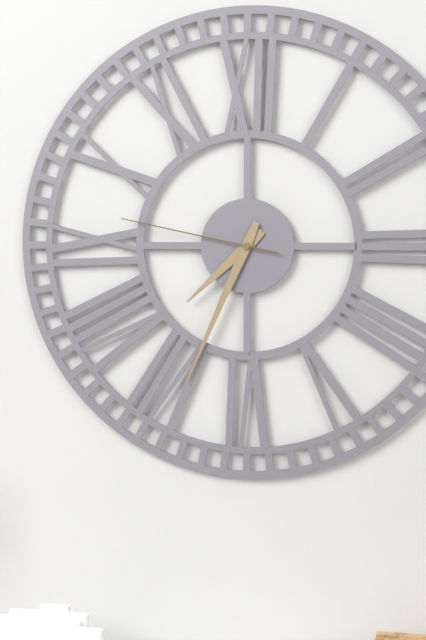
7:34:47
